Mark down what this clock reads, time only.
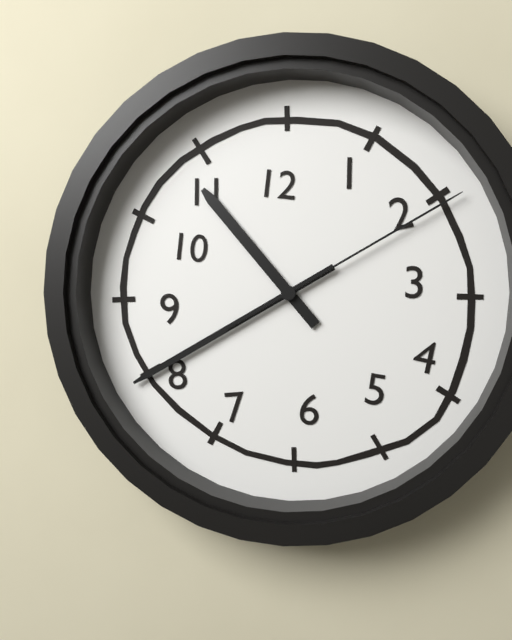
10:40:10
